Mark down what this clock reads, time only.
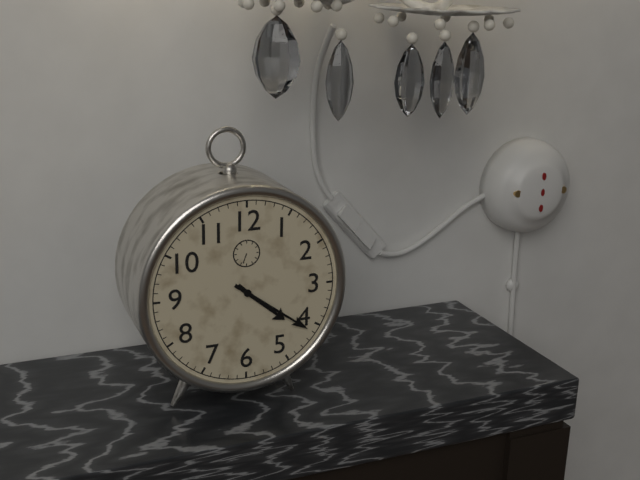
4:21
